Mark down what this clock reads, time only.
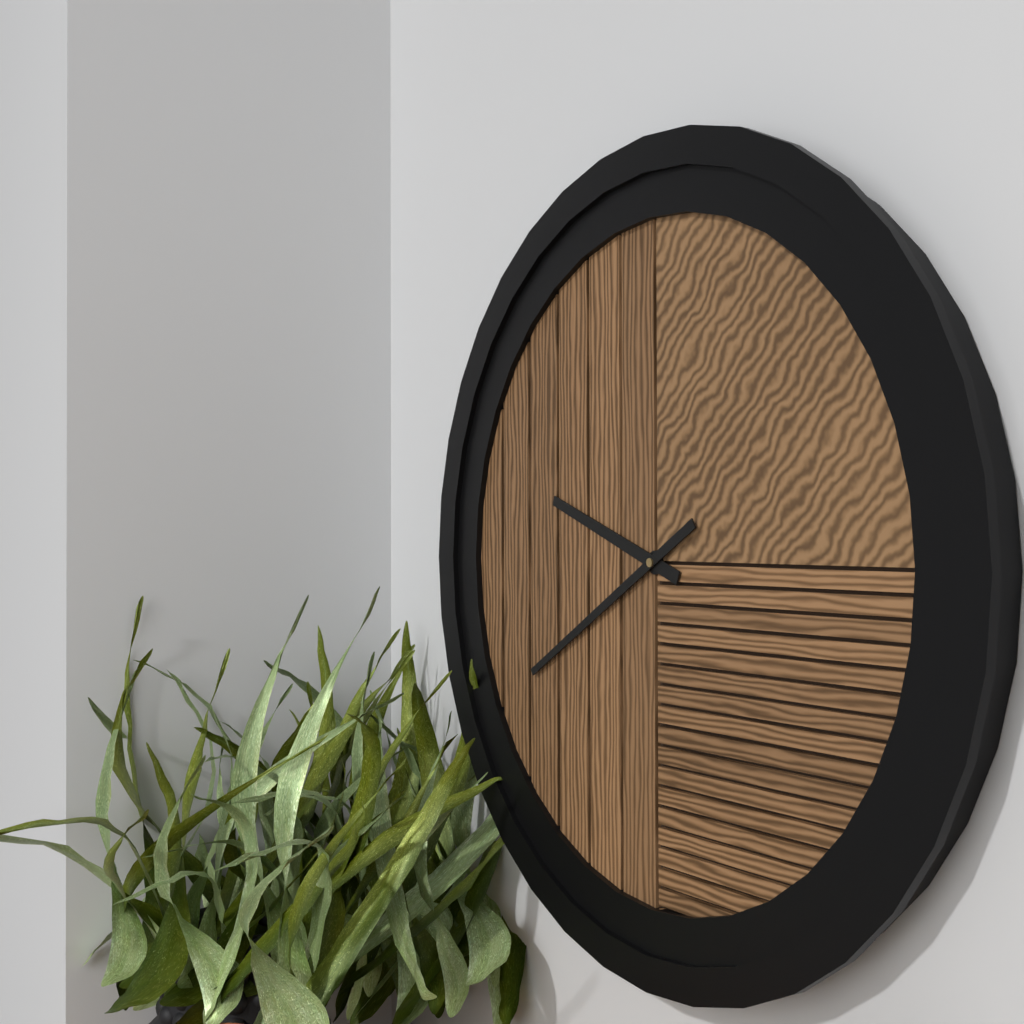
9:40
